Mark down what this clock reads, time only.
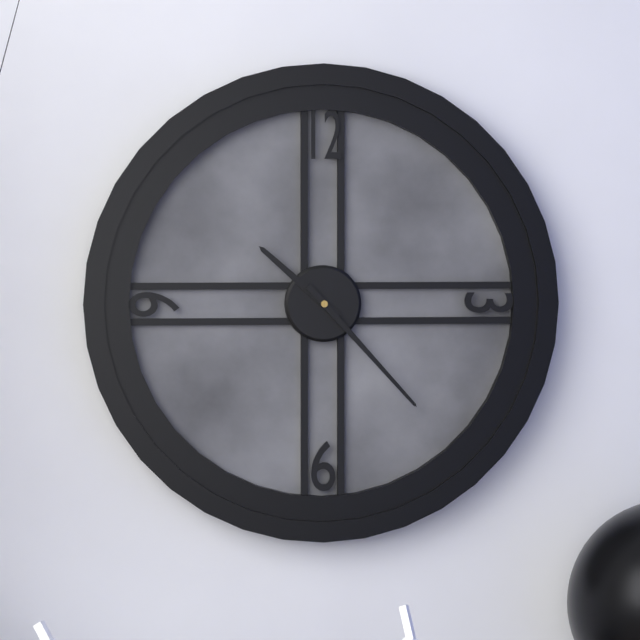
10:23
